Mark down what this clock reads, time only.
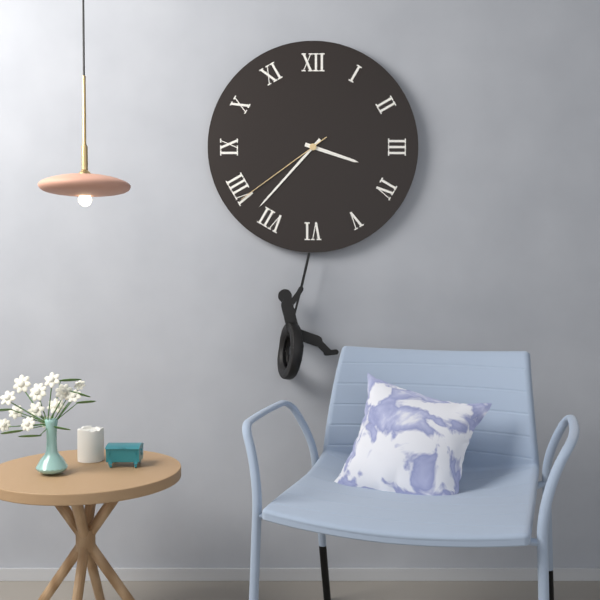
3:37:39
